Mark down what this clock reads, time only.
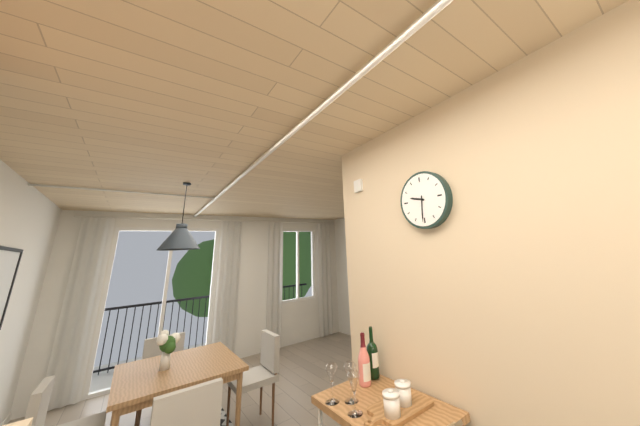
9:31
